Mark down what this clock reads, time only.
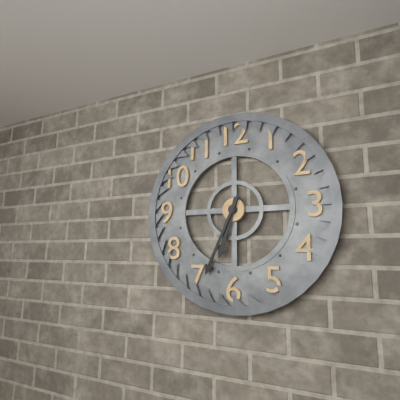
6:34
